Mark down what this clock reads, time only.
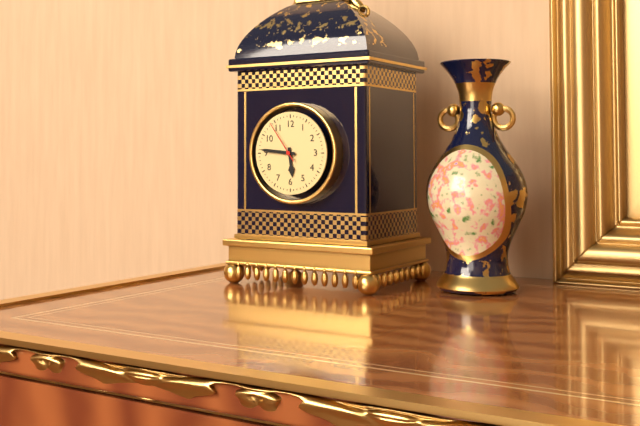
5:46
